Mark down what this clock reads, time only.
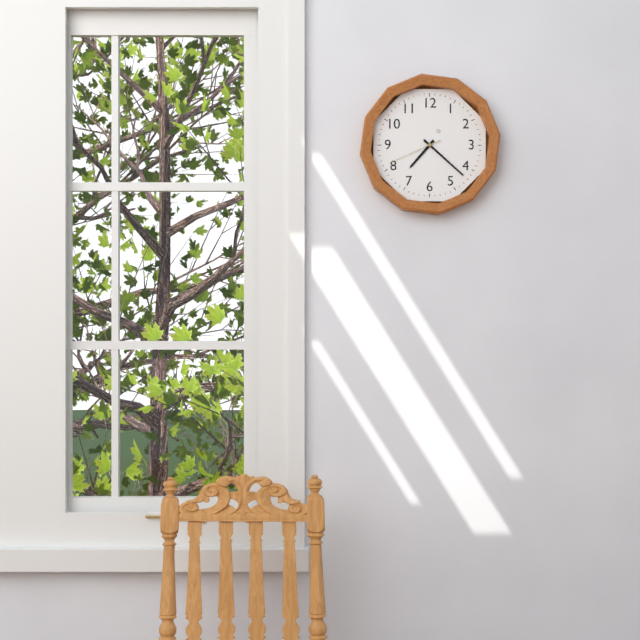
7:22:41
